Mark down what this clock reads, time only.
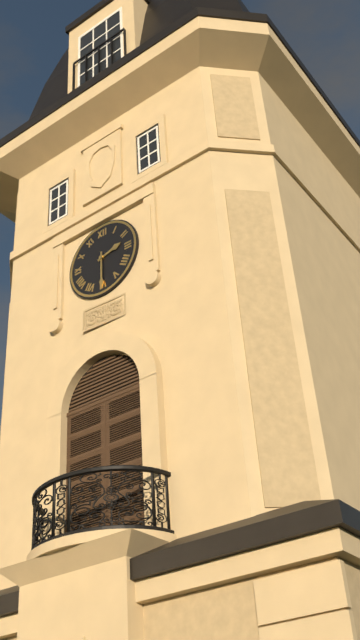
2:30
